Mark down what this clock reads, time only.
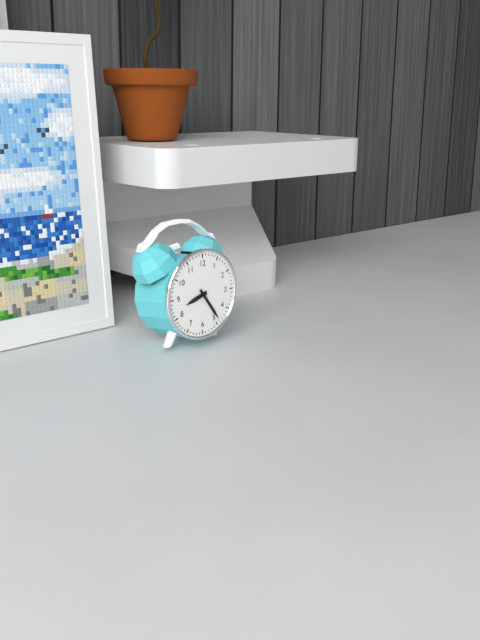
8:24
